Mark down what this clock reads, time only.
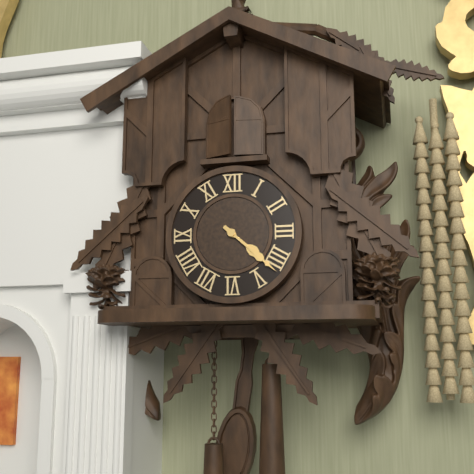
4:22
